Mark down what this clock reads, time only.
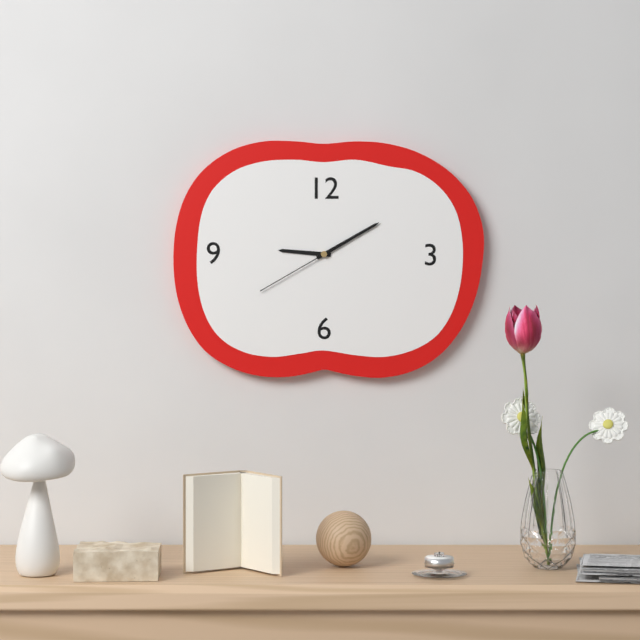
9:10:40
